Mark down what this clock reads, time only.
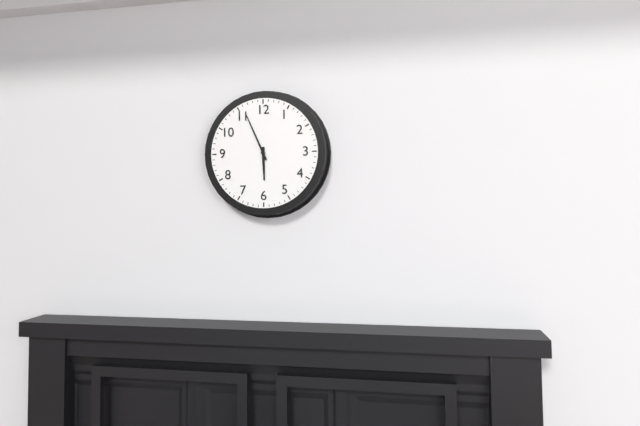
5:56
